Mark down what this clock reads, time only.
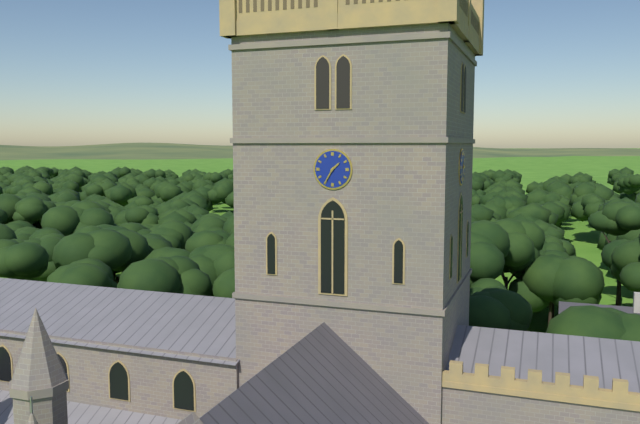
1:35
